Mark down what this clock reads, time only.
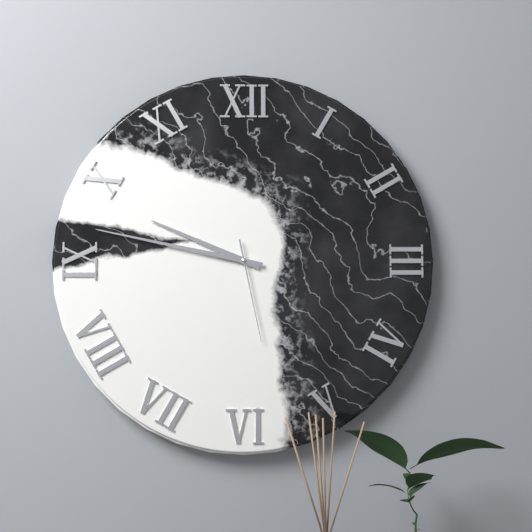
9:47:28
